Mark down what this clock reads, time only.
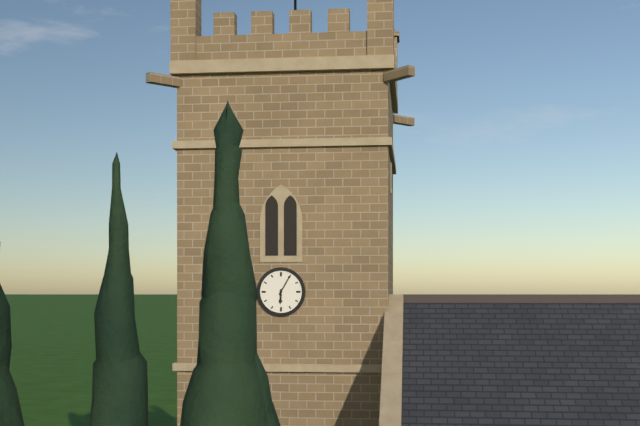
6:05
